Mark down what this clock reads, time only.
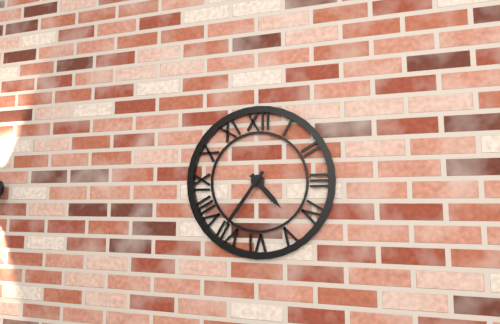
4:36
